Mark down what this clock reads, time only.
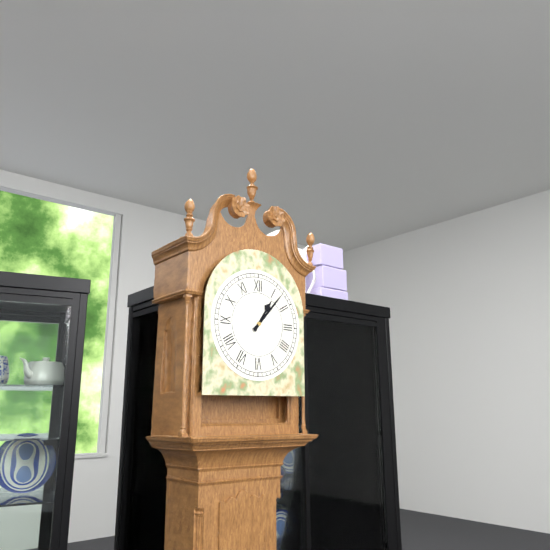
1:07
